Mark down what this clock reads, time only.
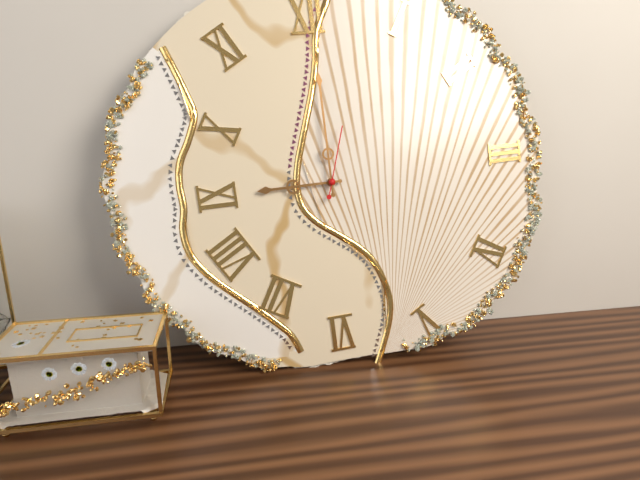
9:00:03
